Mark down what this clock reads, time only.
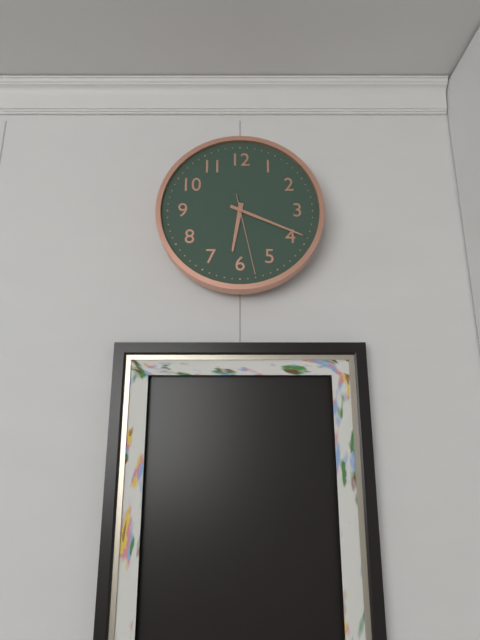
6:19:28
